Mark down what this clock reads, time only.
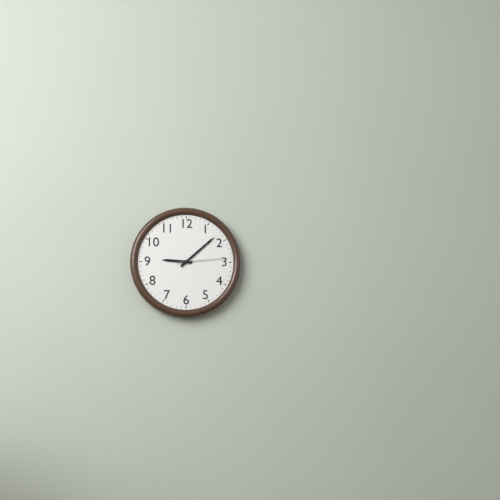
9:08:14
